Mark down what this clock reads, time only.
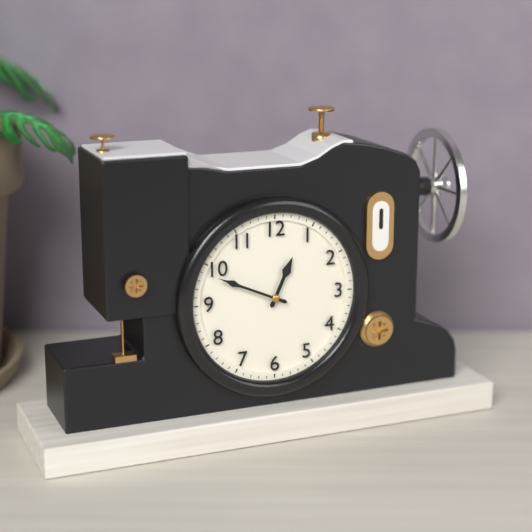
12:49
